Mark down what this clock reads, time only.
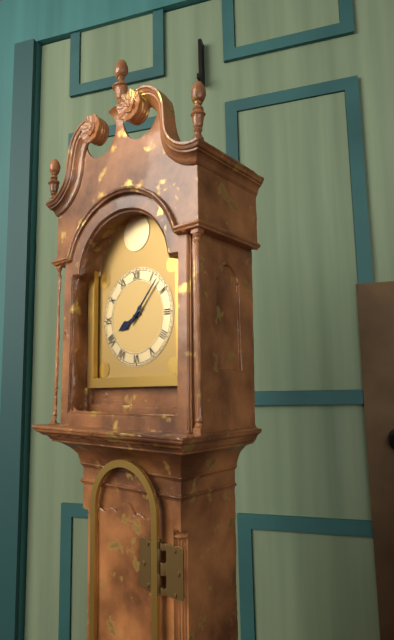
8:07
